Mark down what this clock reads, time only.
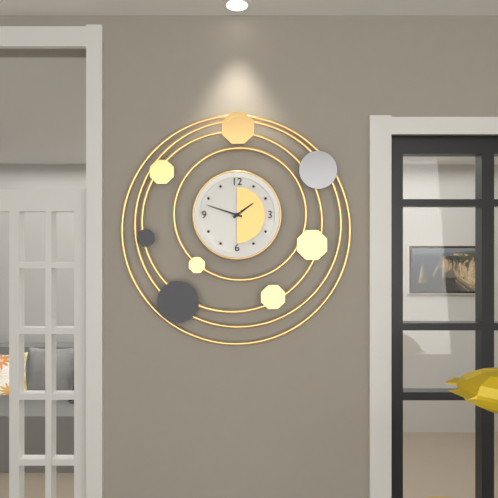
1:48
